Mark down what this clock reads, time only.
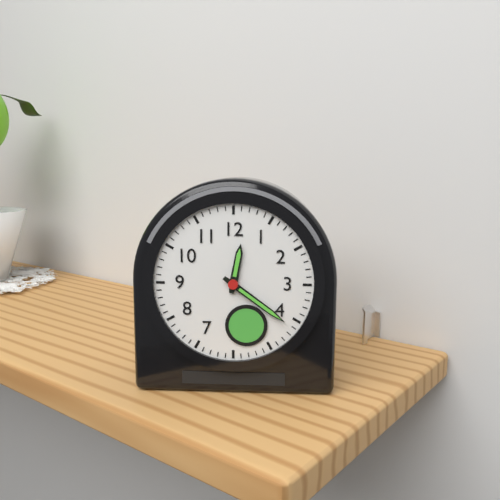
12:21
